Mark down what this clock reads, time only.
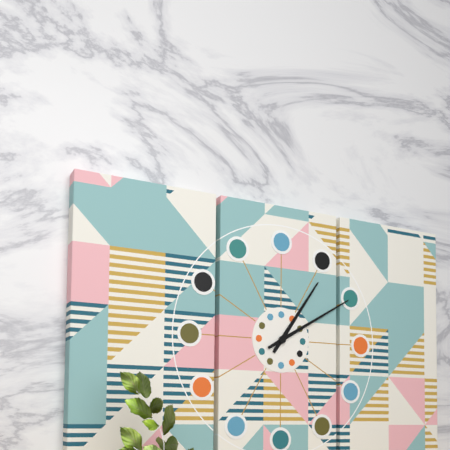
1:10
